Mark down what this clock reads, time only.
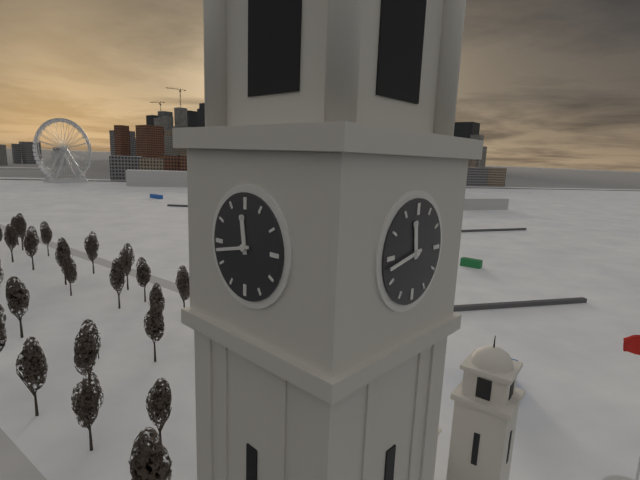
11:43
